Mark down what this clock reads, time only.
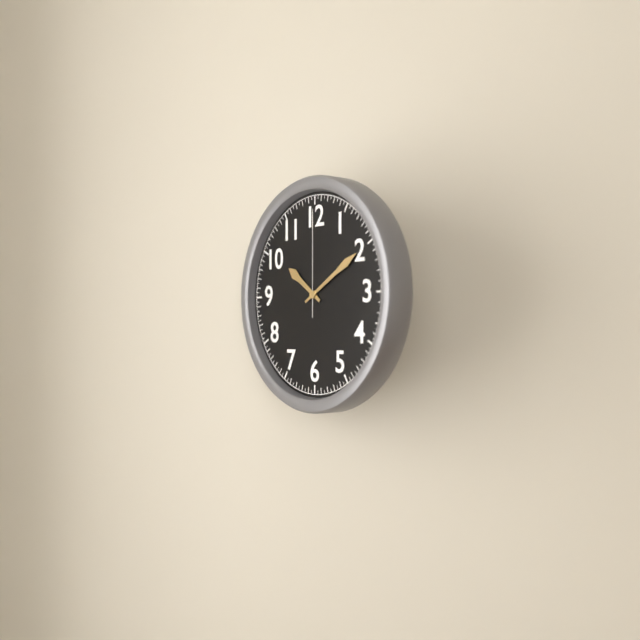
10:10:00
